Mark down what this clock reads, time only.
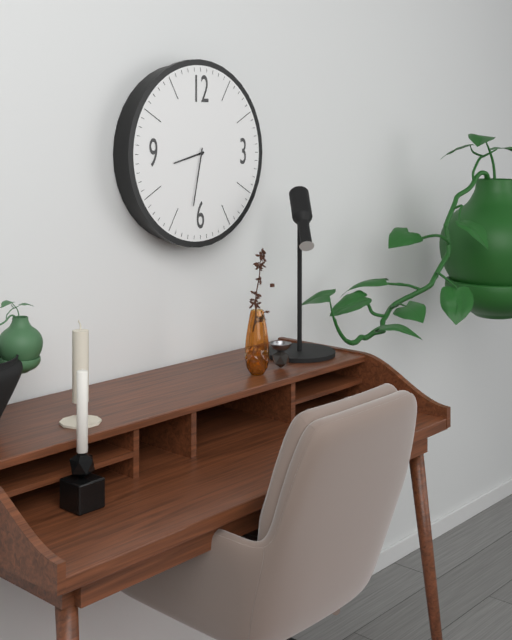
8:32
